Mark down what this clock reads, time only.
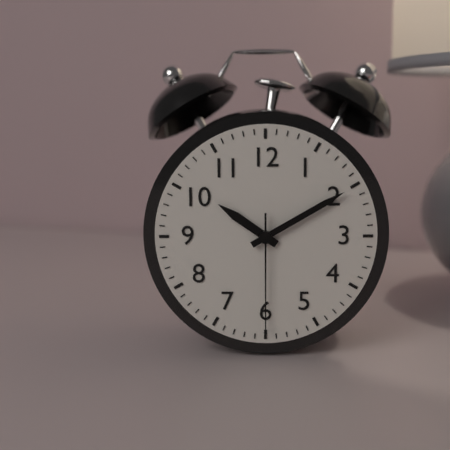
10:10:30
